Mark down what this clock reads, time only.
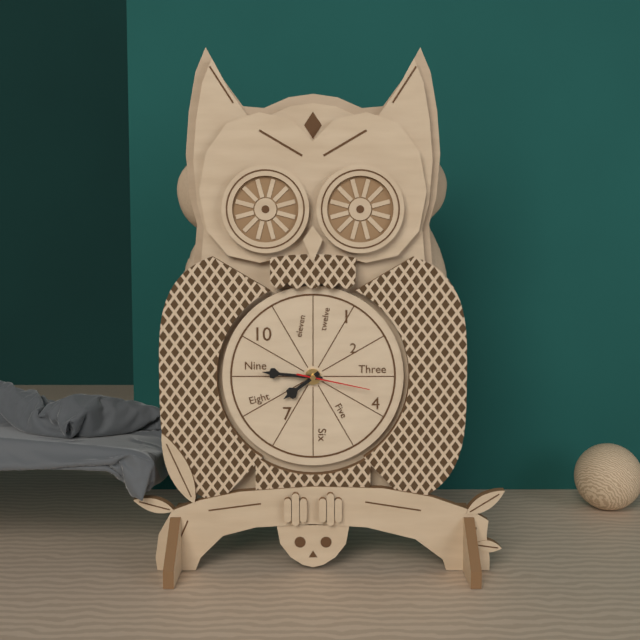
7:46:17
